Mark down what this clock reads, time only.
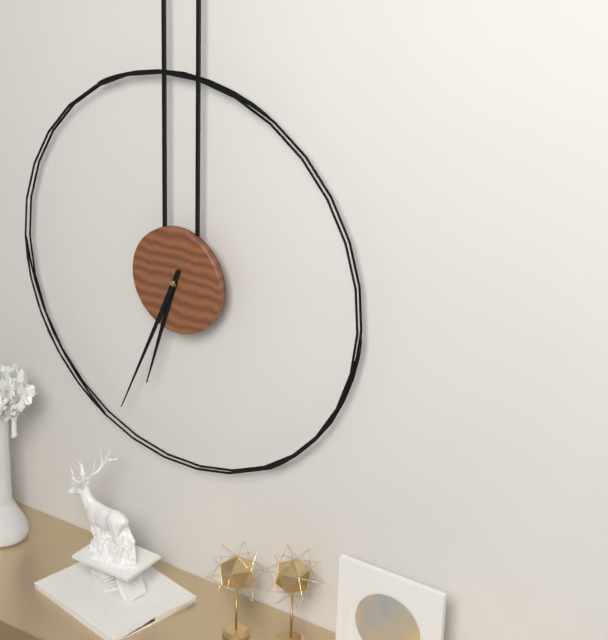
6:34
